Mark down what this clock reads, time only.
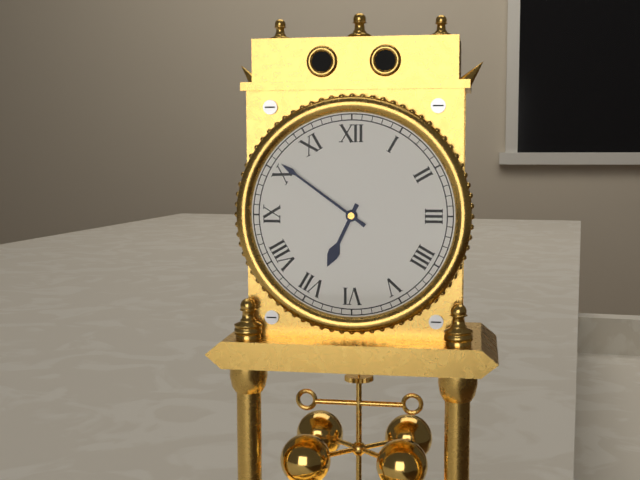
6:51
